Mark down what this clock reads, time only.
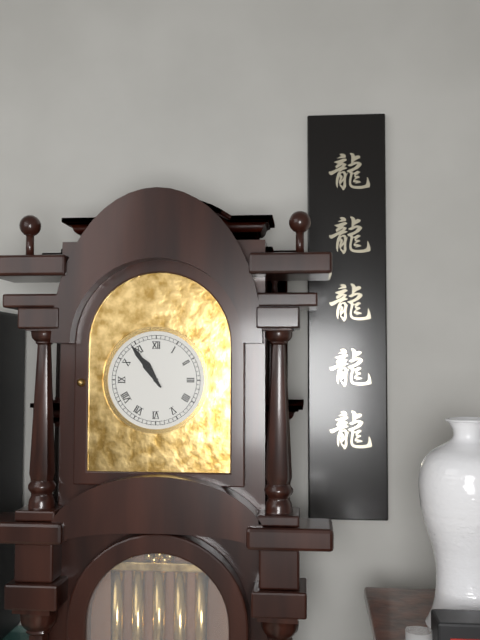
10:54
